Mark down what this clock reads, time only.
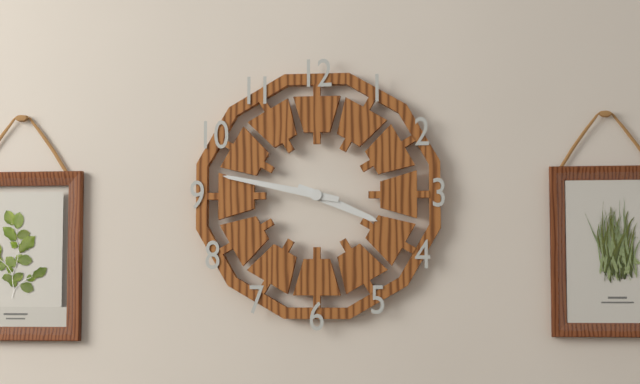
3:47
